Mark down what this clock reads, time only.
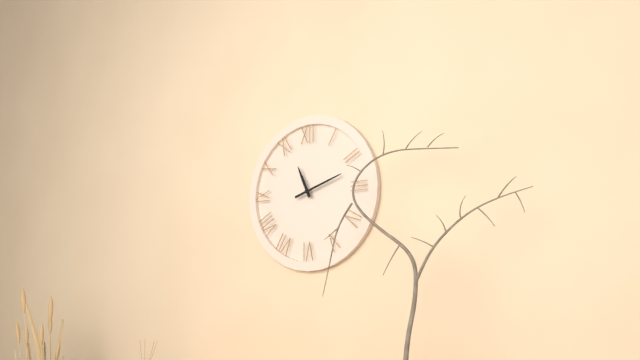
11:12
